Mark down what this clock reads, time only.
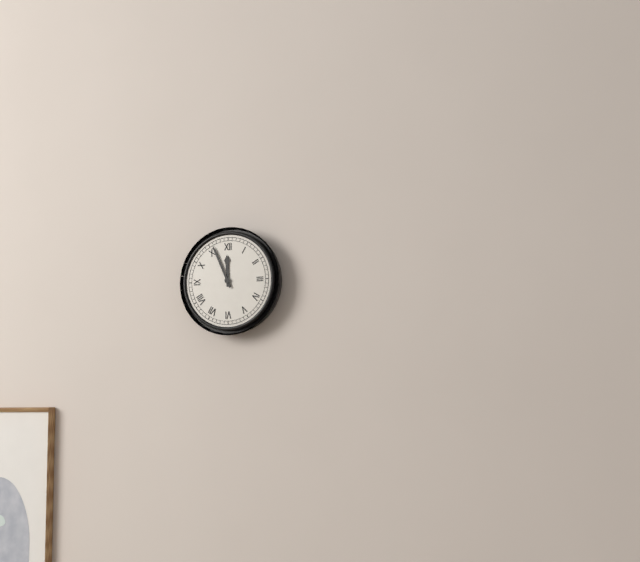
11:56
